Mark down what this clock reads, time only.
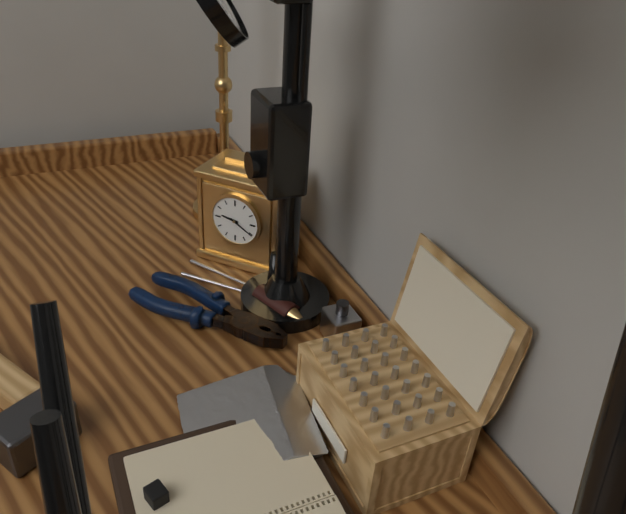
9:20
